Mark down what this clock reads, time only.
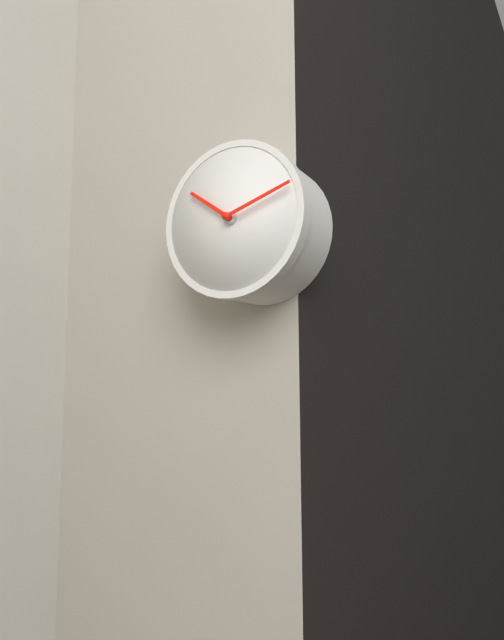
10:12
